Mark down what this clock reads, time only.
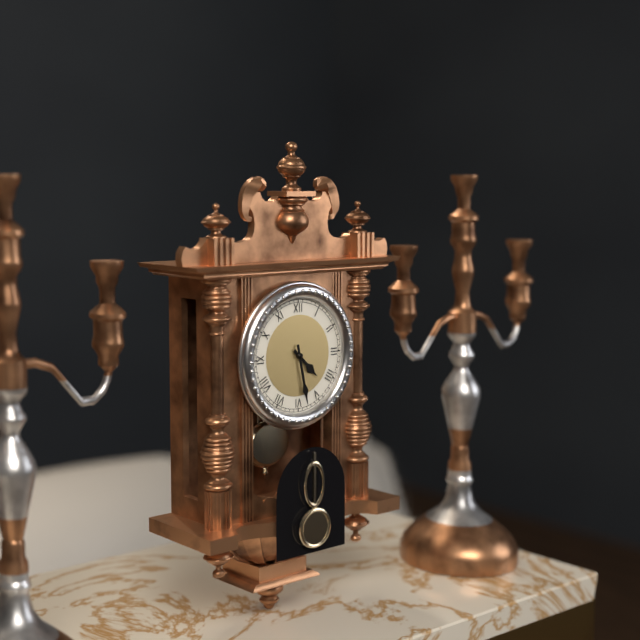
4:28
